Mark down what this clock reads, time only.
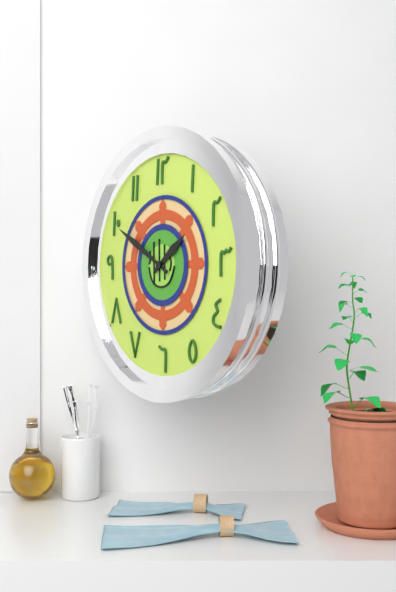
1:50
